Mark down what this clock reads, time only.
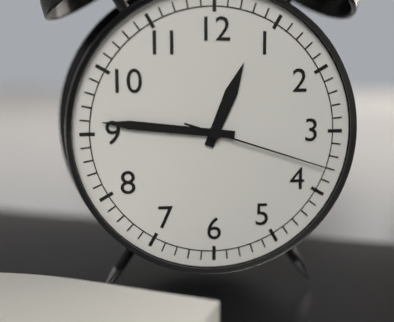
12:46:18
